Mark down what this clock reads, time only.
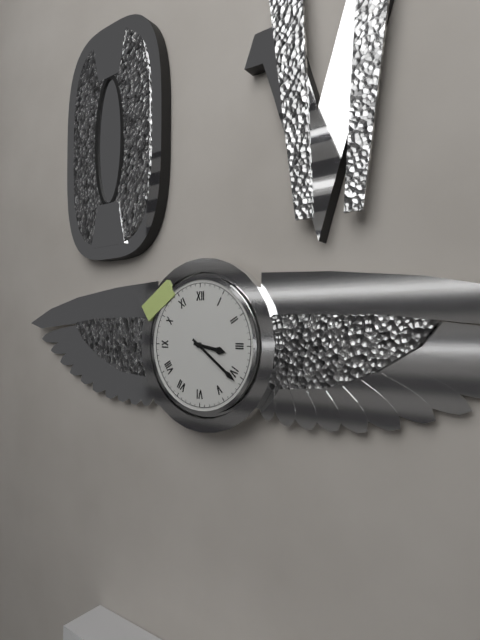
3:21
